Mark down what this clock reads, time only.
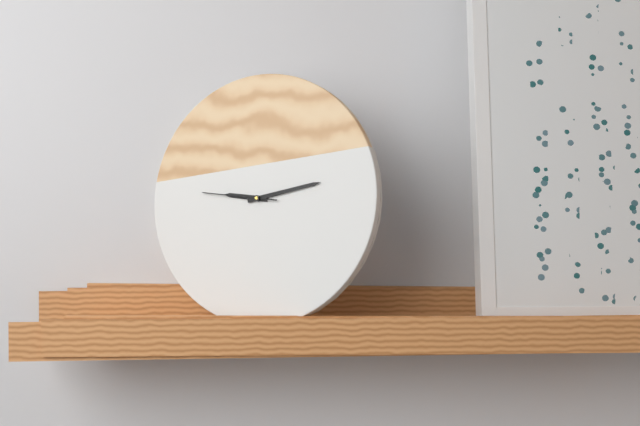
9:13:46
